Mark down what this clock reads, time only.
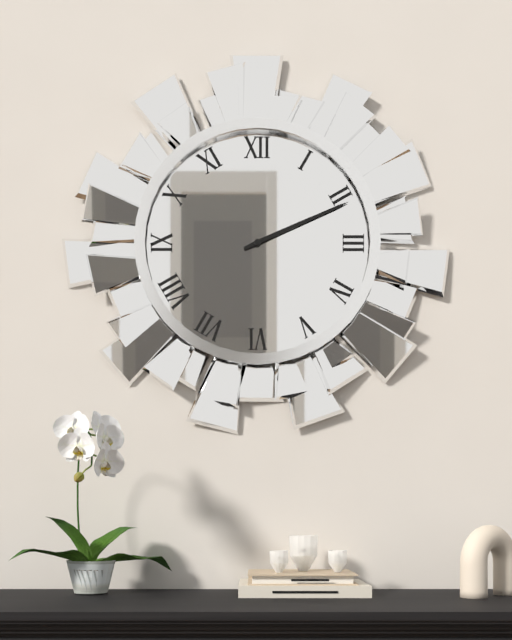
2:11
